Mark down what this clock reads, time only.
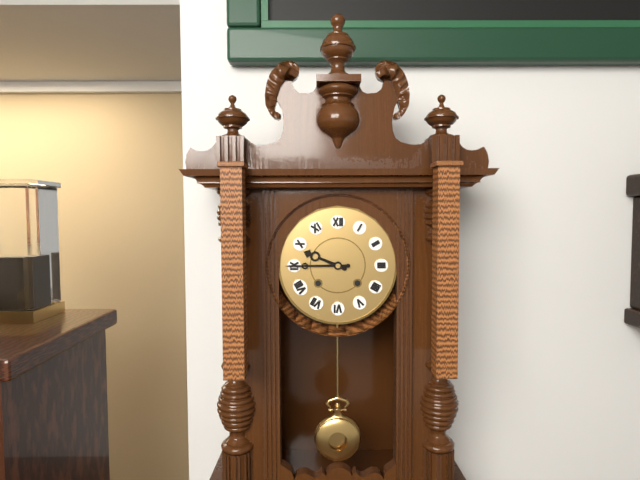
9:45
